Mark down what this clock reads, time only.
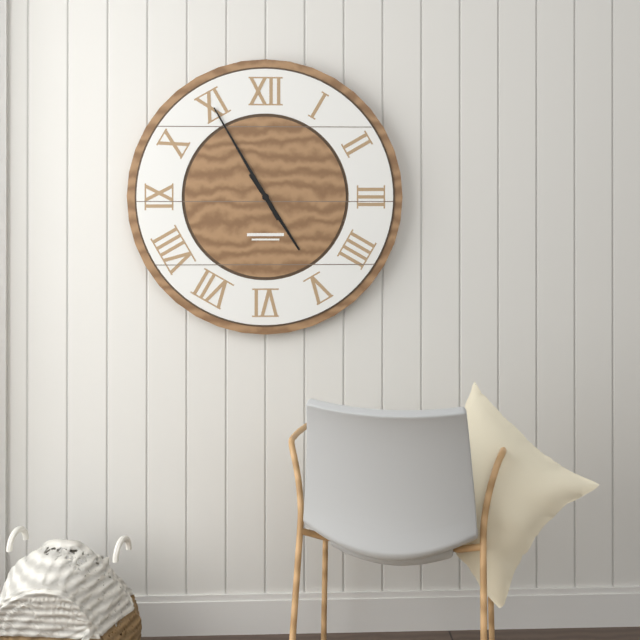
4:55
